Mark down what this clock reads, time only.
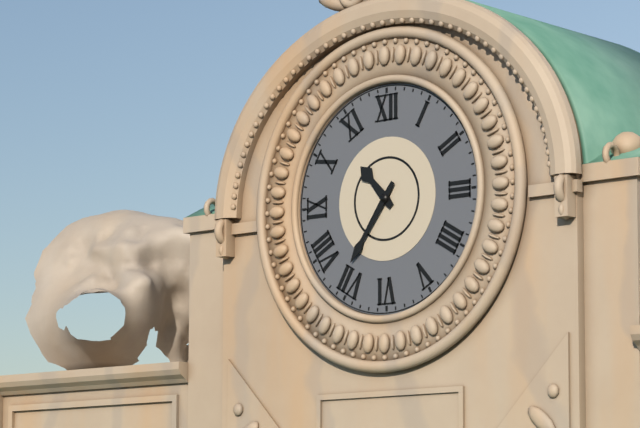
10:36
